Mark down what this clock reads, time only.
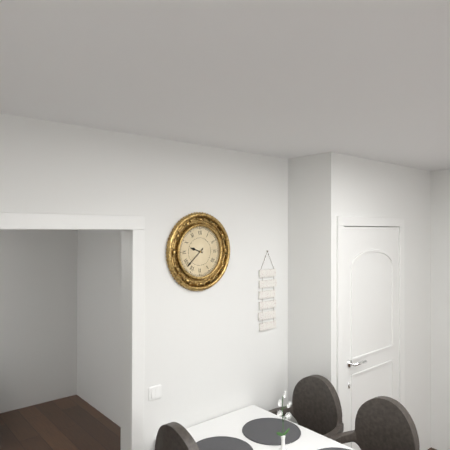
9:38
